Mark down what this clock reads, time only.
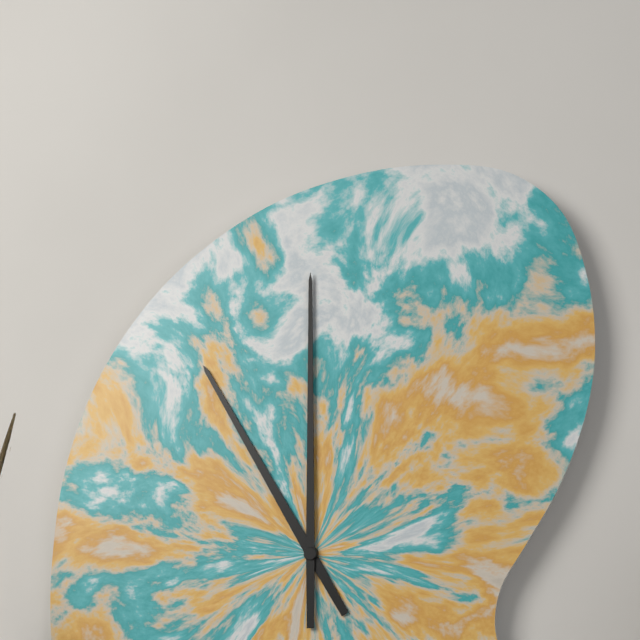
11:00
